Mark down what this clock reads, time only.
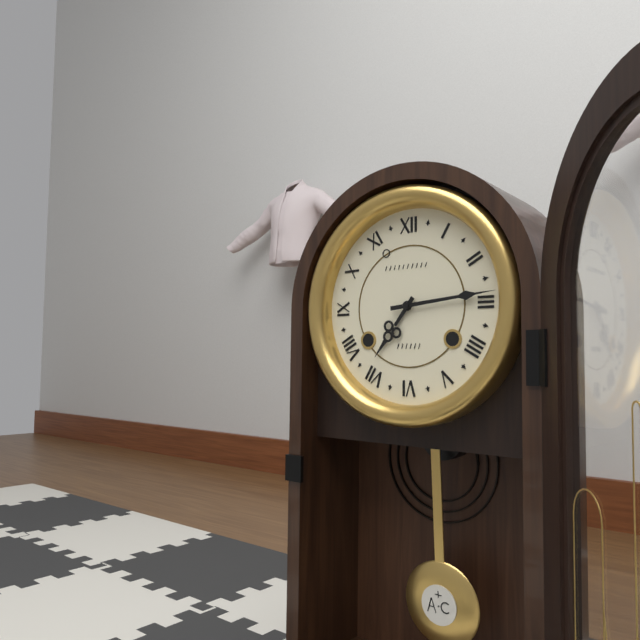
7:14
